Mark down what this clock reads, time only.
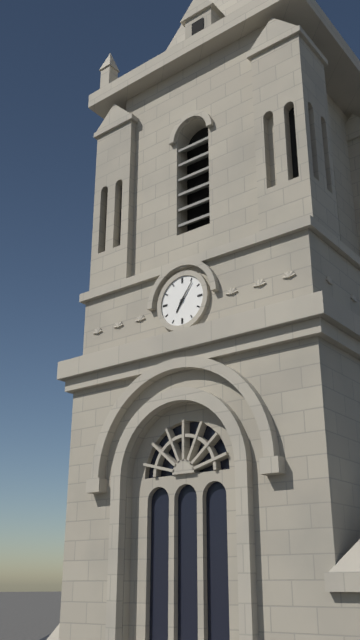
7:06
